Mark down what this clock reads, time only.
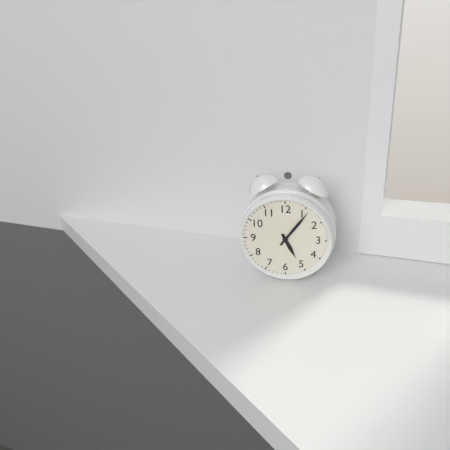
5:06
